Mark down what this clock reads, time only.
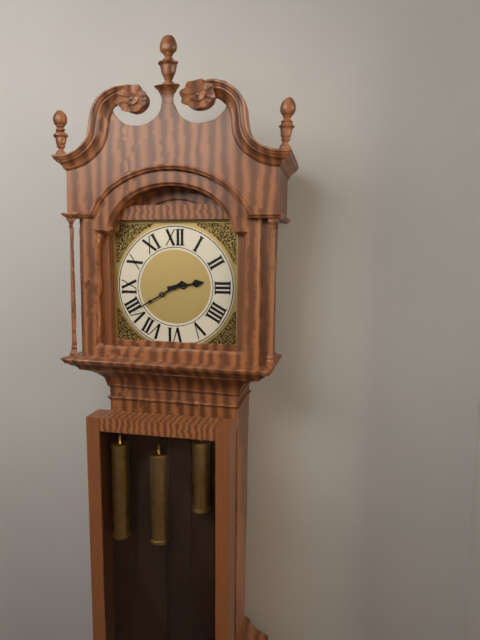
2:40
